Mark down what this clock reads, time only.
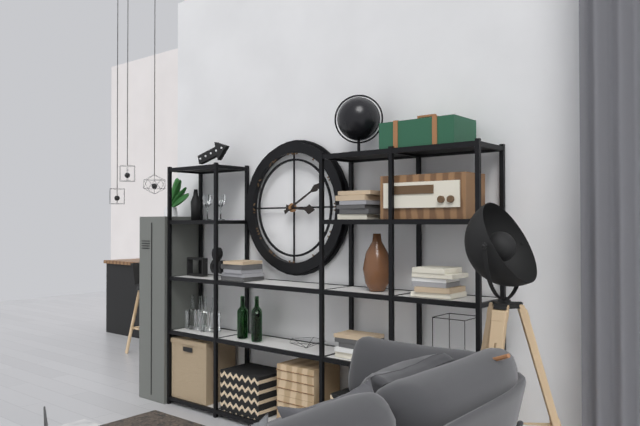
3:10
